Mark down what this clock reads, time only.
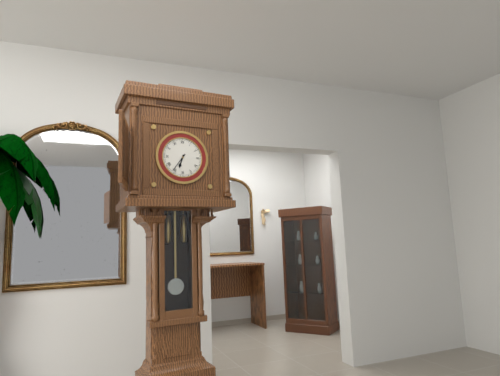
6:36
